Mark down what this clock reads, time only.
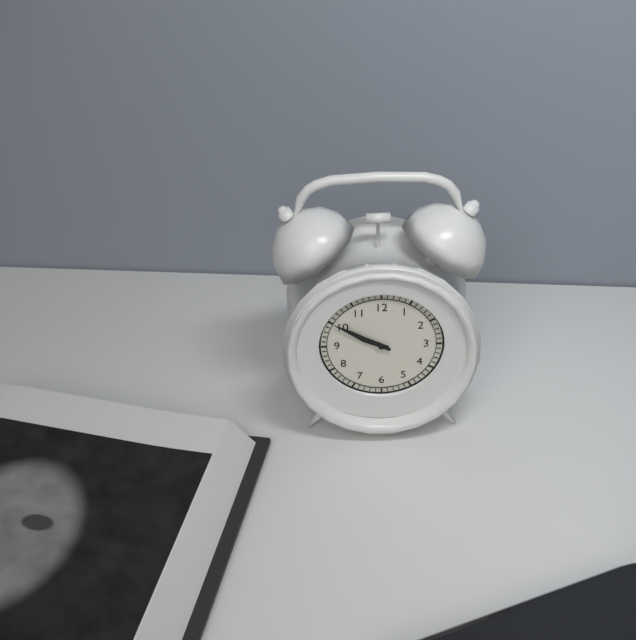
9:50
